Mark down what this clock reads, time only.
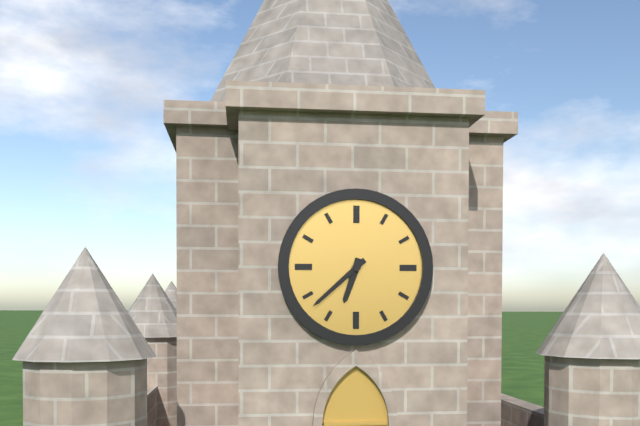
6:38
